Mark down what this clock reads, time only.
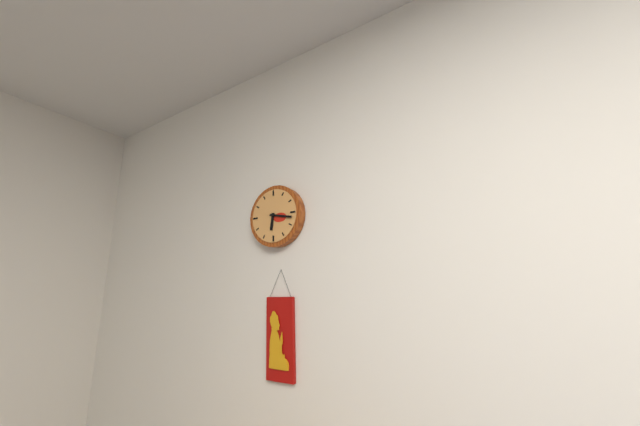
6:17
